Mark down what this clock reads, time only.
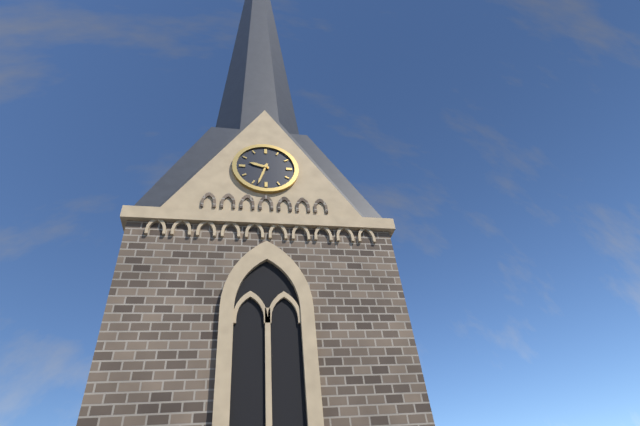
9:33
